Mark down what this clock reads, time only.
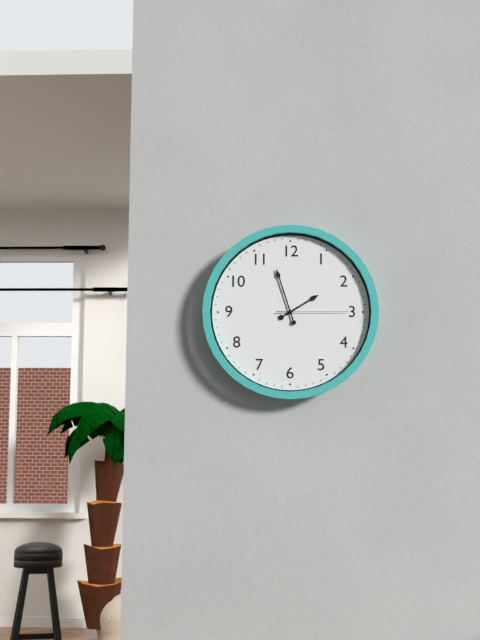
1:57:15
